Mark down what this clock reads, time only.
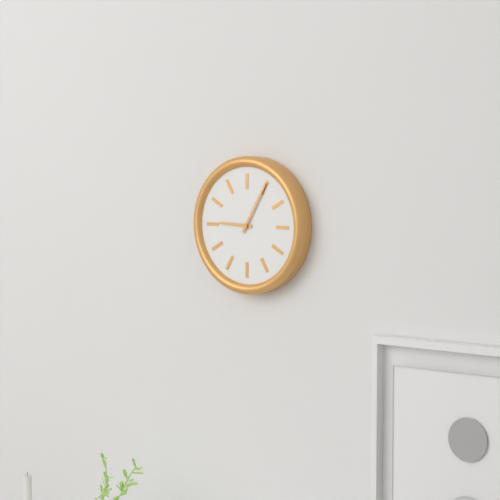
9:05
